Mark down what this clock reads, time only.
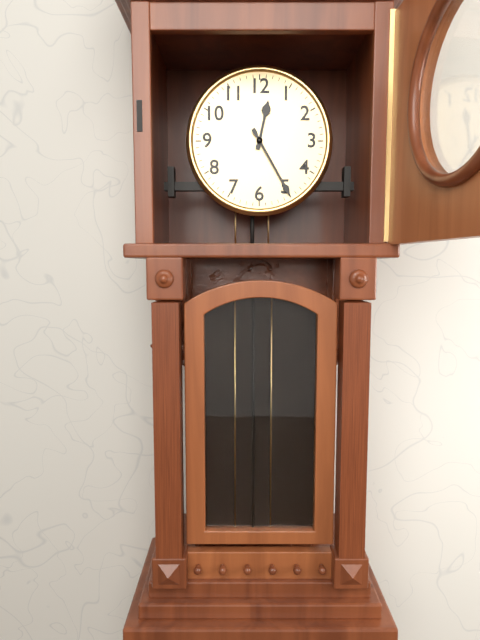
12:25
